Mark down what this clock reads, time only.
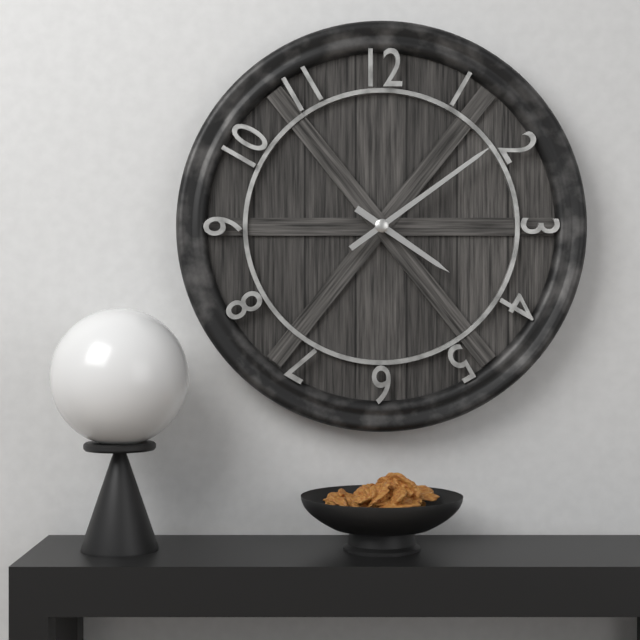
4:09
